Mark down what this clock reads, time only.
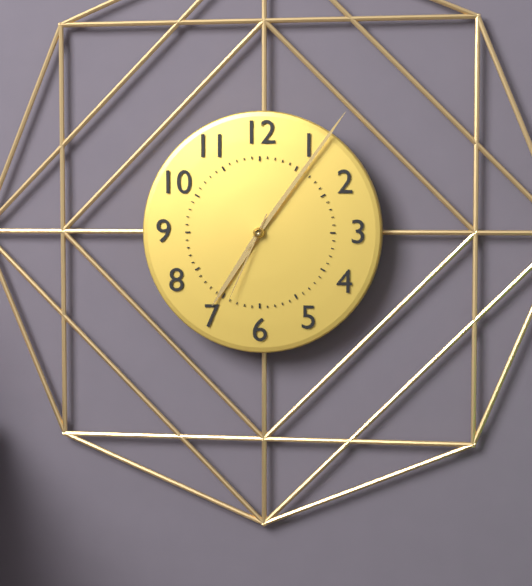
7:06:34
